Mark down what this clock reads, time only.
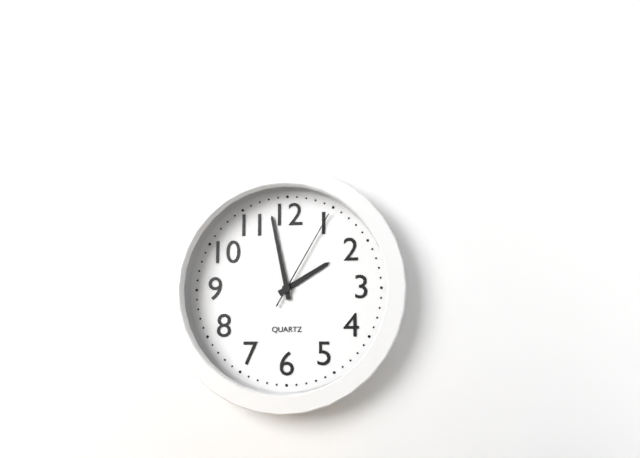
1:58:05
